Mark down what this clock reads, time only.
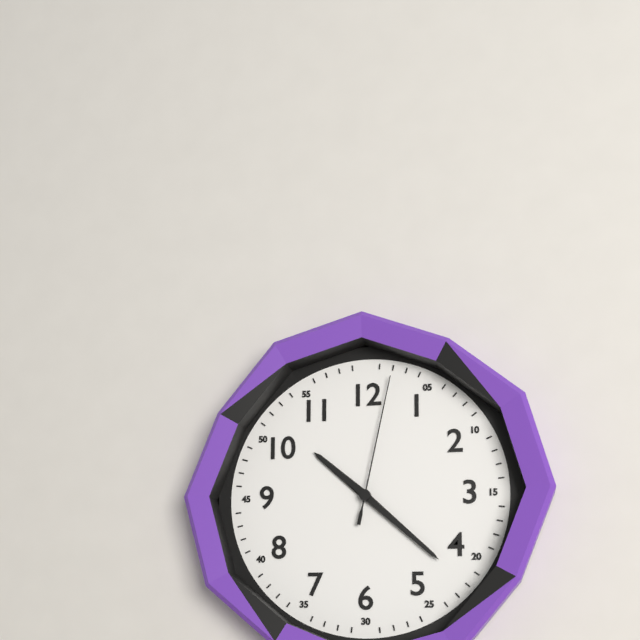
10:22:02
